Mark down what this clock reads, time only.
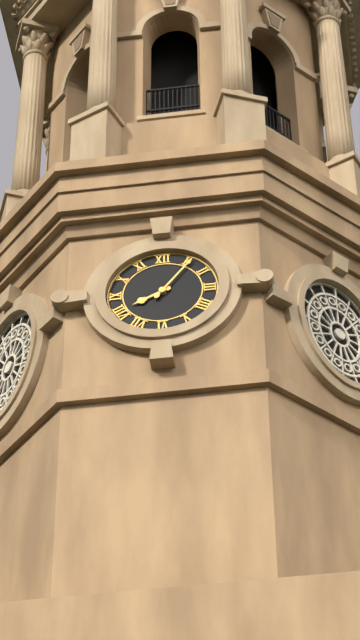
8:06
